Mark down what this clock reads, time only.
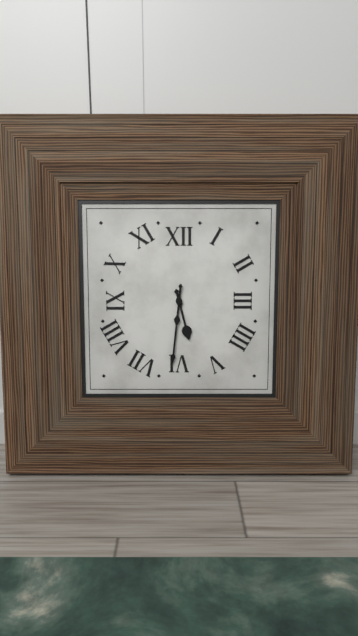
5:31
